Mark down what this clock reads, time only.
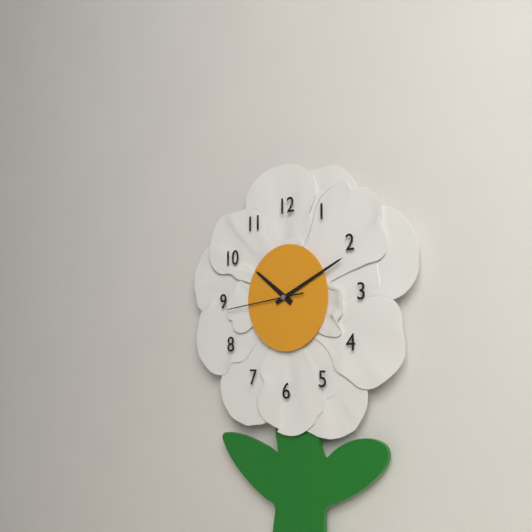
10:11:44
